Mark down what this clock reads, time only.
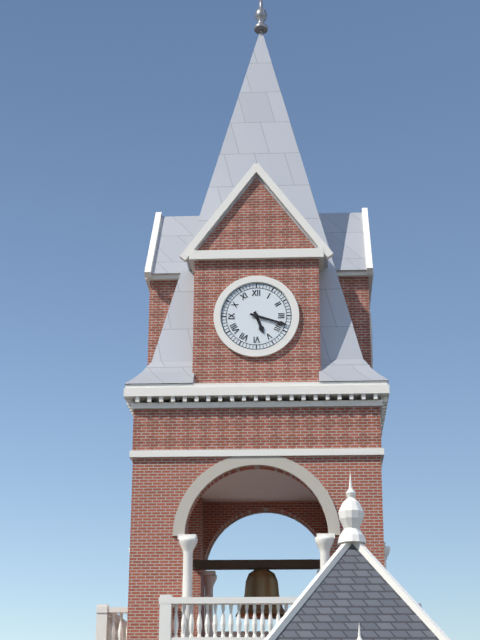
5:18
